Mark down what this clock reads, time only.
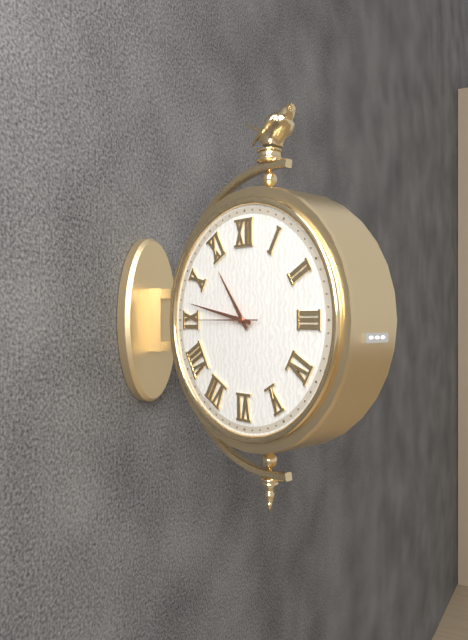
10:47:45
